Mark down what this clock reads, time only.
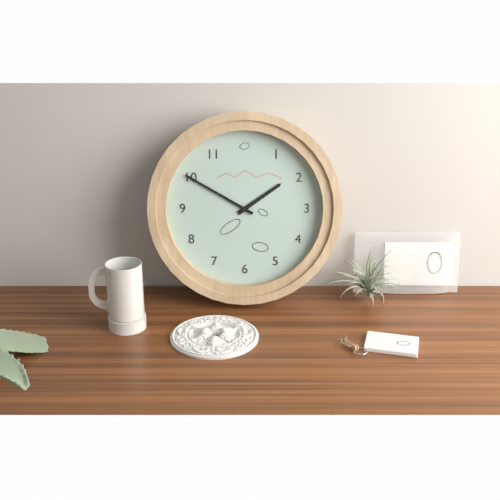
1:50
